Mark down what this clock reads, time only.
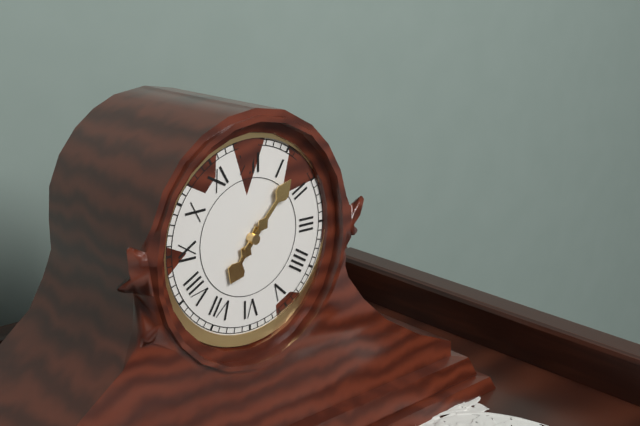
7:07
